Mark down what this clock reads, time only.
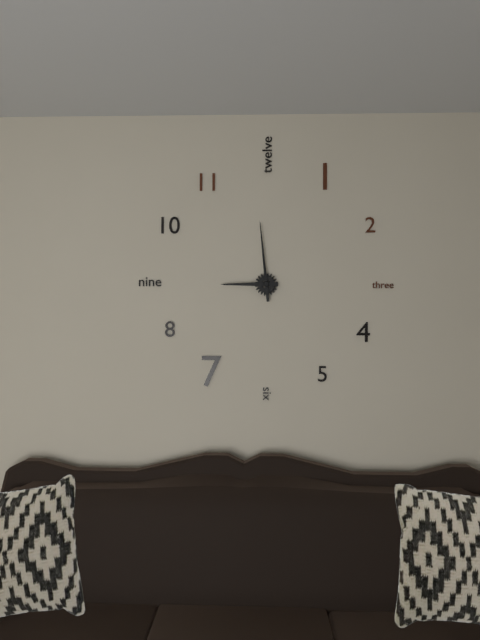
8:59
